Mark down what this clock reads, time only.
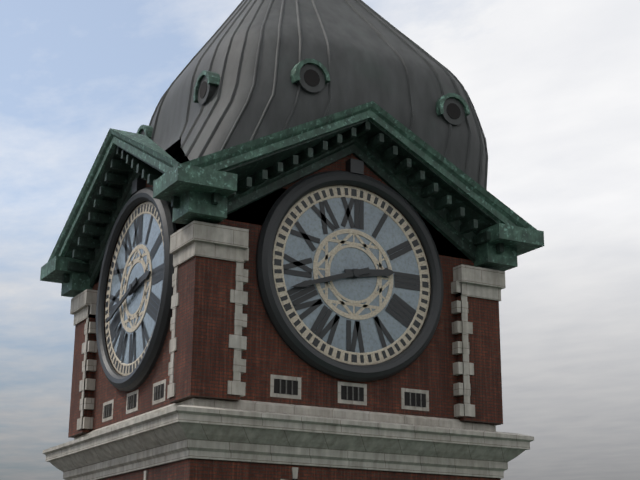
2:42
